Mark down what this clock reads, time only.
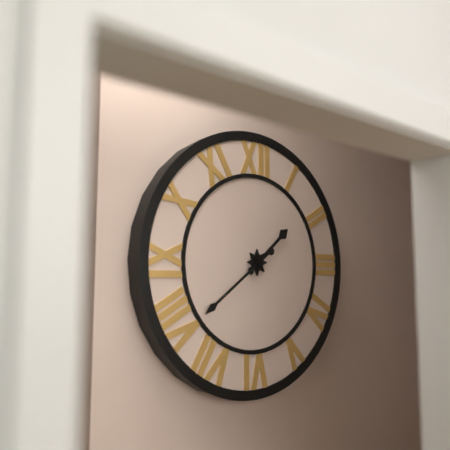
1:39
